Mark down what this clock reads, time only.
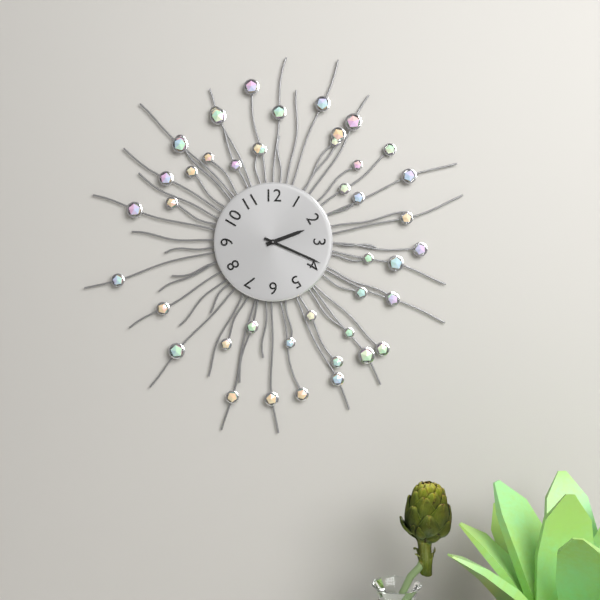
2:19
